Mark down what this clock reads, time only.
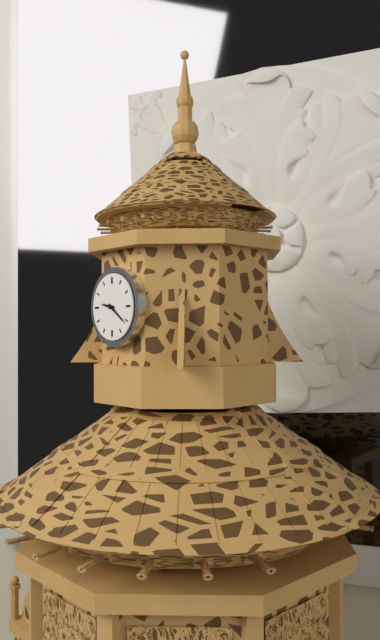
9:21
